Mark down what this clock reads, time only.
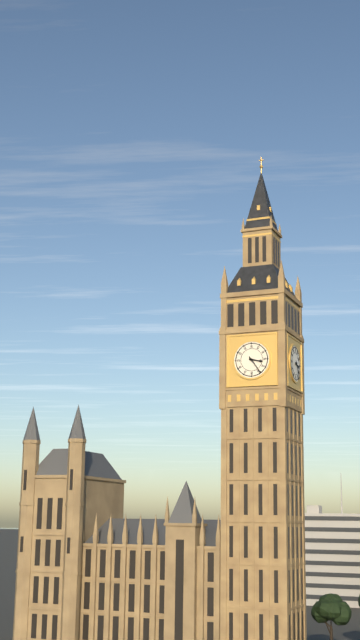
3:24
